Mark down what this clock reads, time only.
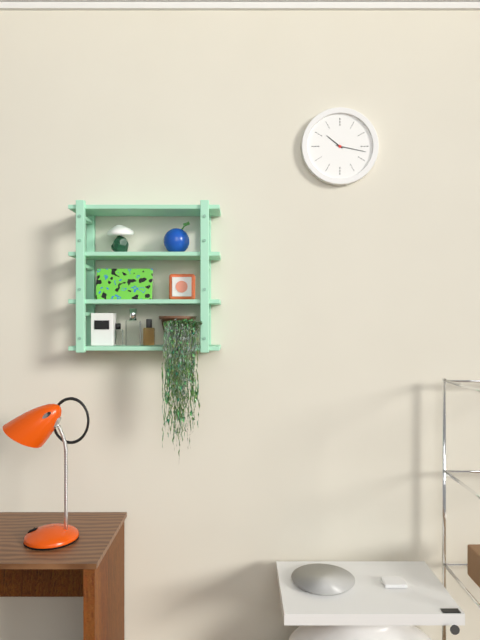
10:17
